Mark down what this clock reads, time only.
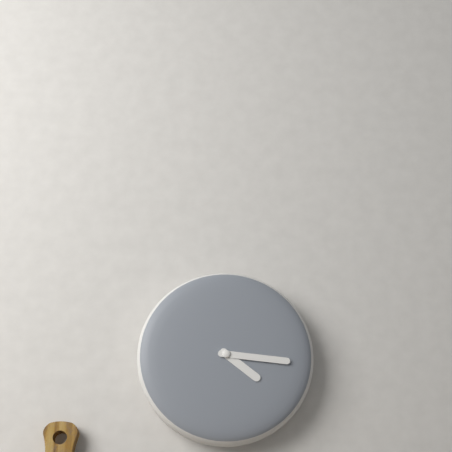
4:16
